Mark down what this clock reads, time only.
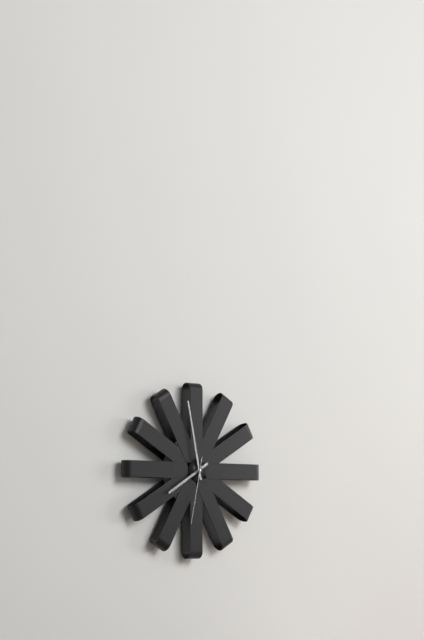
7:58:32
